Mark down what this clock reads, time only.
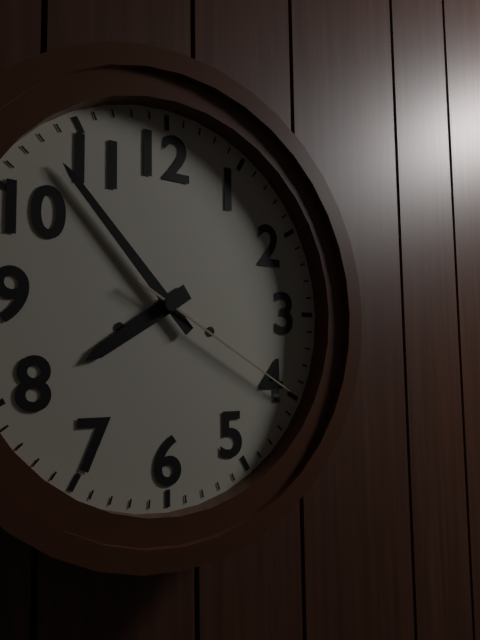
7:53:20
